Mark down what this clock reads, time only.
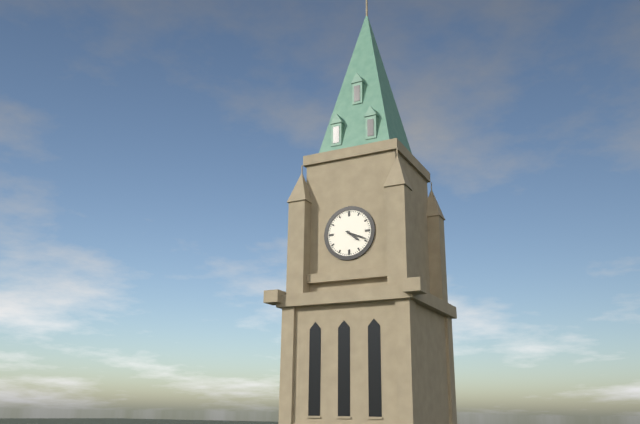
4:19
